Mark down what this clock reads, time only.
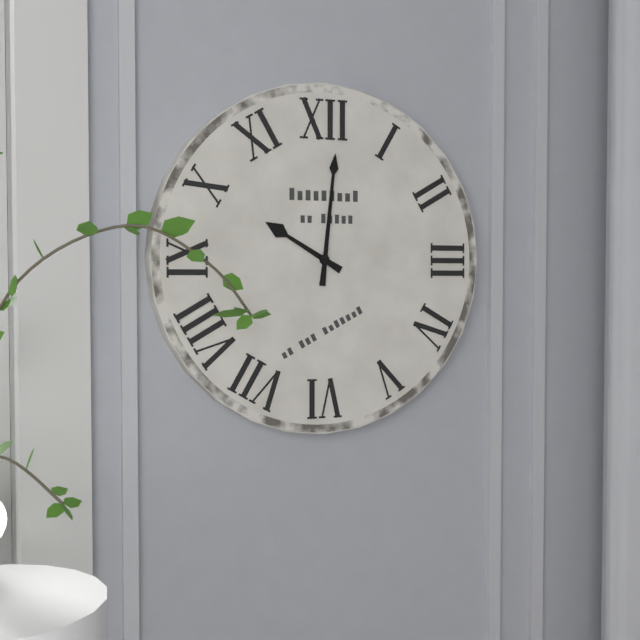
10:01
